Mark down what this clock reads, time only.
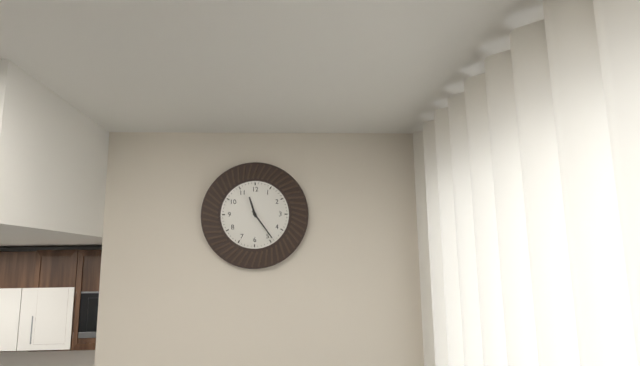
11:24
